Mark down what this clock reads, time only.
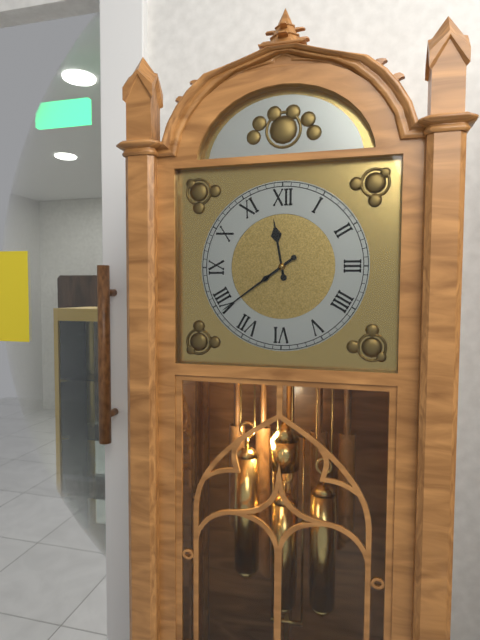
11:39
